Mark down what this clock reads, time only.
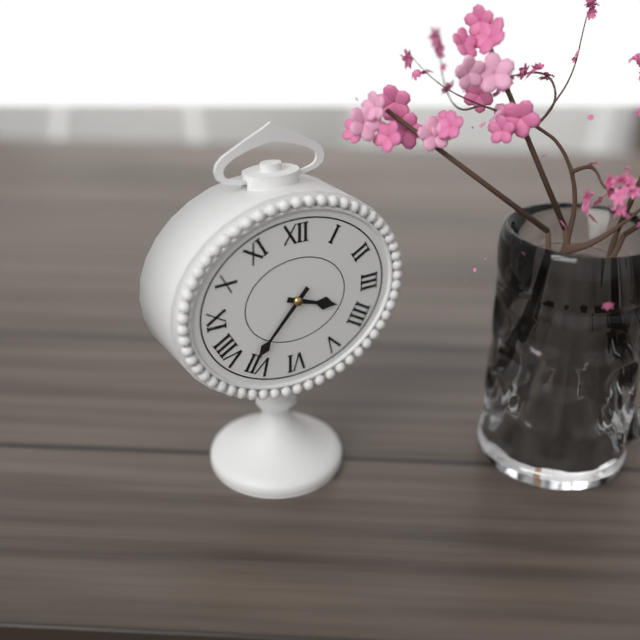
3:37
